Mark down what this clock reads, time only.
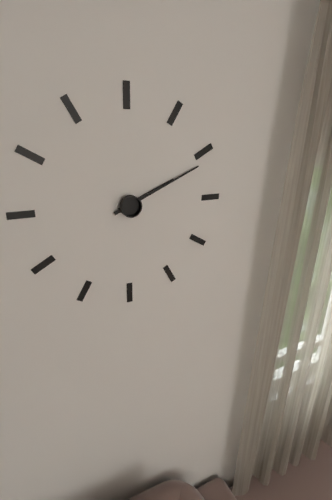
2:11
